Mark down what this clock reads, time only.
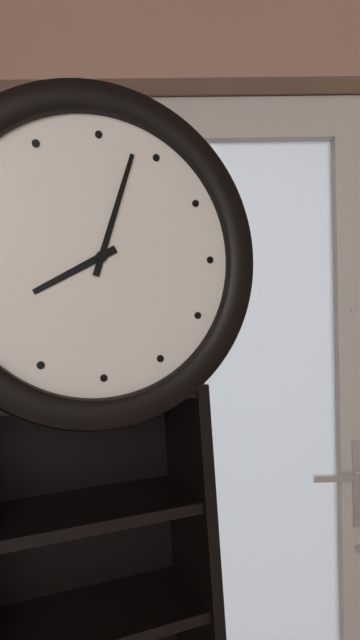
8:03
